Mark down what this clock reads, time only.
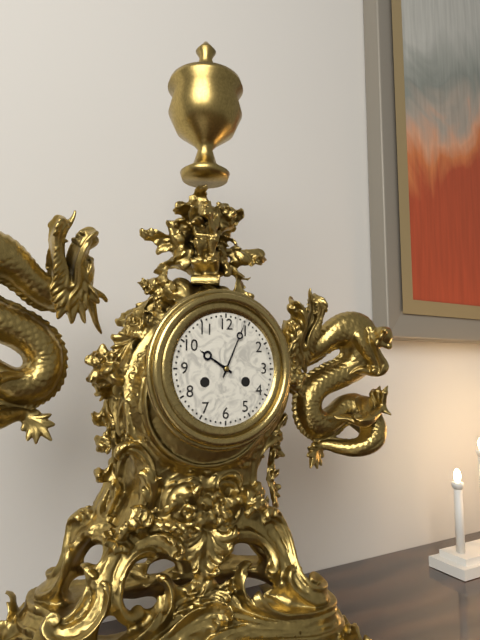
10:04
